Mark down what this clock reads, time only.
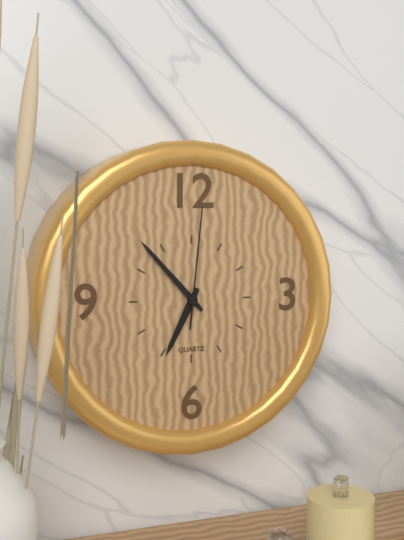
6:53:01
